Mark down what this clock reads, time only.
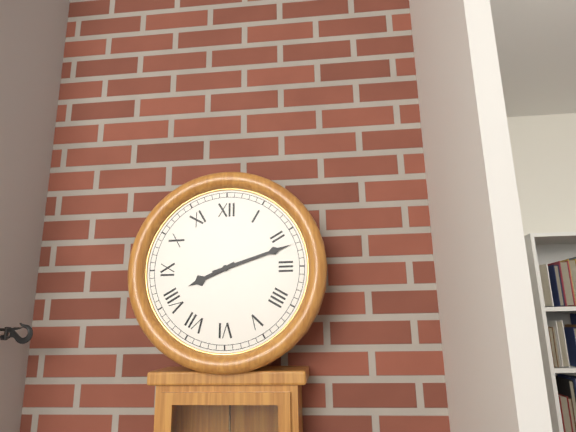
8:12
